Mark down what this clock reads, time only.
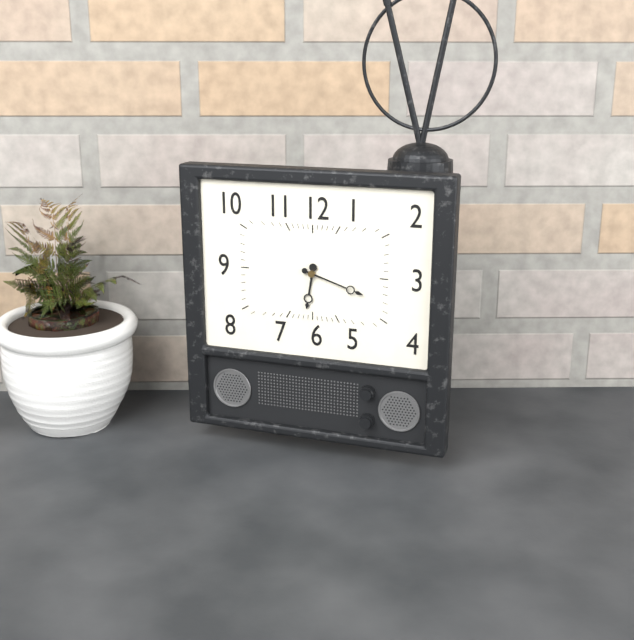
6:18
